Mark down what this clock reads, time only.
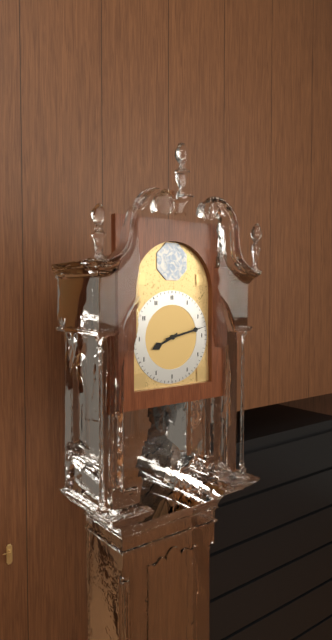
8:13
